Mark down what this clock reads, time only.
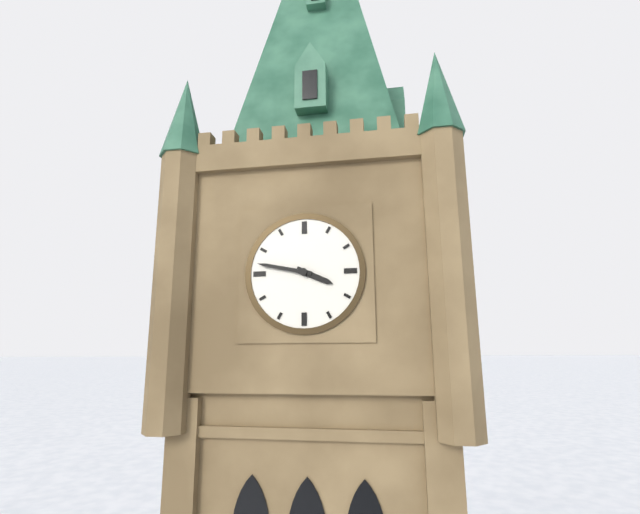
3:47
